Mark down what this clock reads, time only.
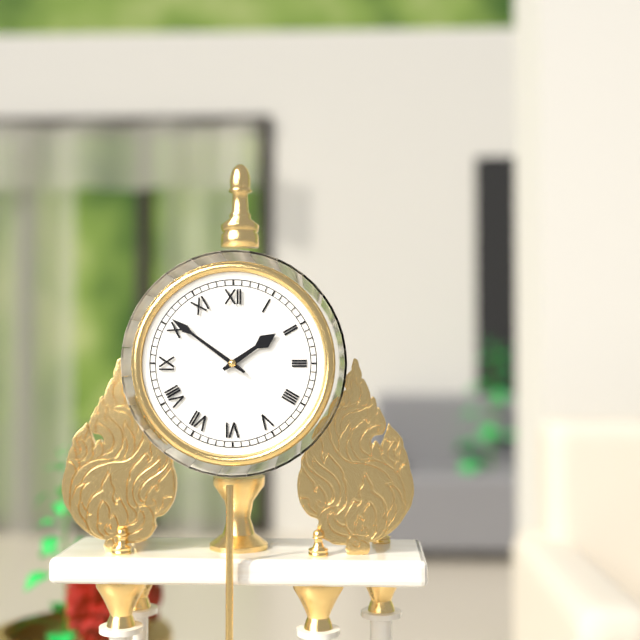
1:51
